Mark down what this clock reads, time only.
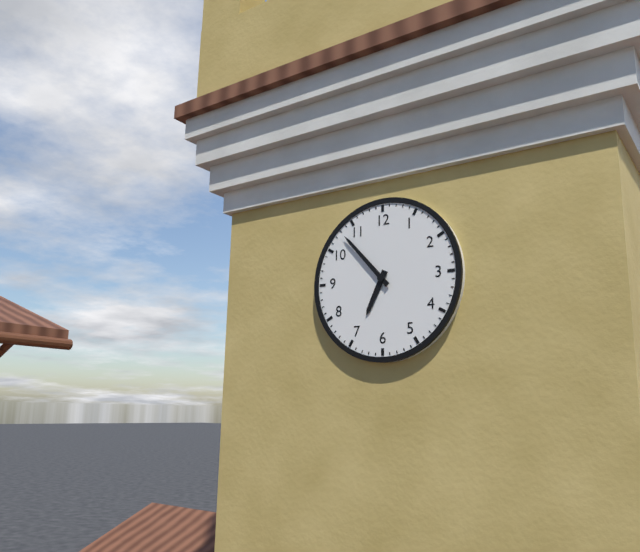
6:53
